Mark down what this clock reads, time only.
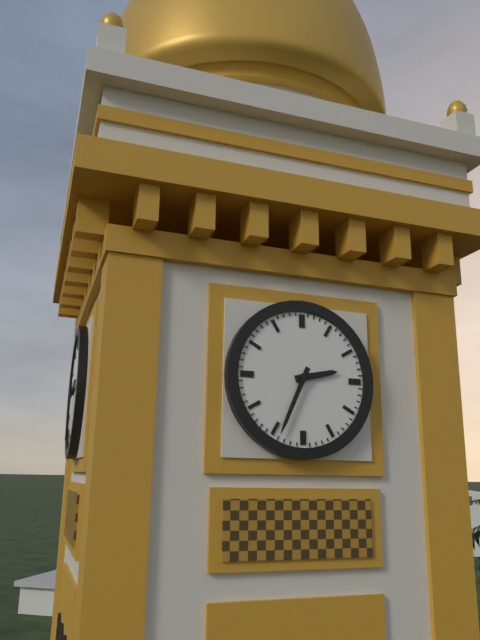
2:34
